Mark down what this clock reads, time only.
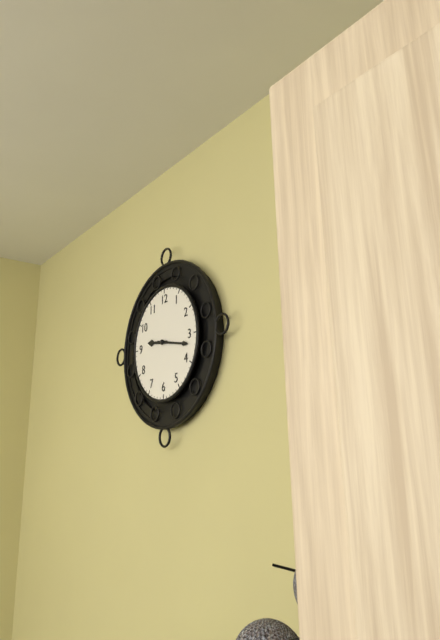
9:17
